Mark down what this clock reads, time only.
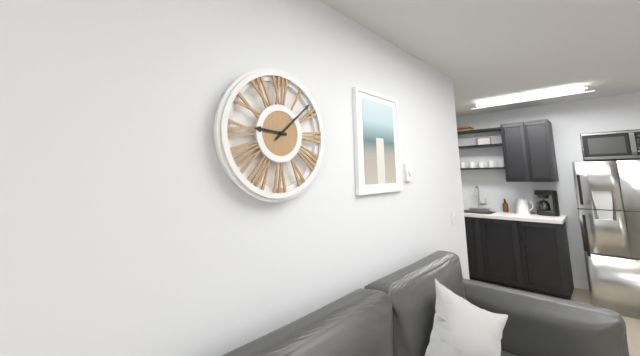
9:08
